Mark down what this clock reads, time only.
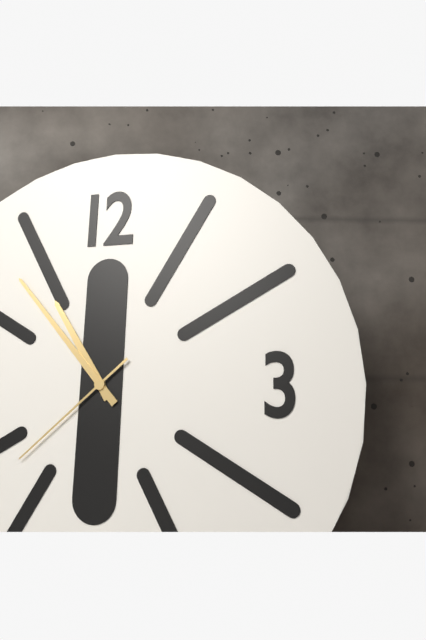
10:53:38
